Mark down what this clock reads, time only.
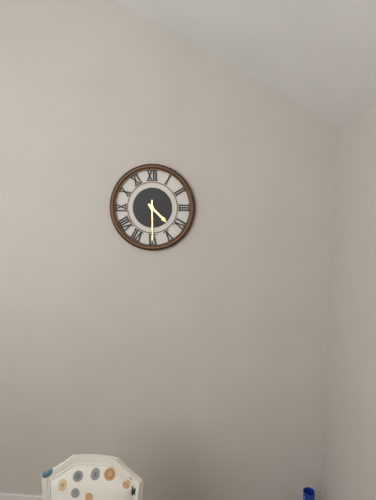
4:30
